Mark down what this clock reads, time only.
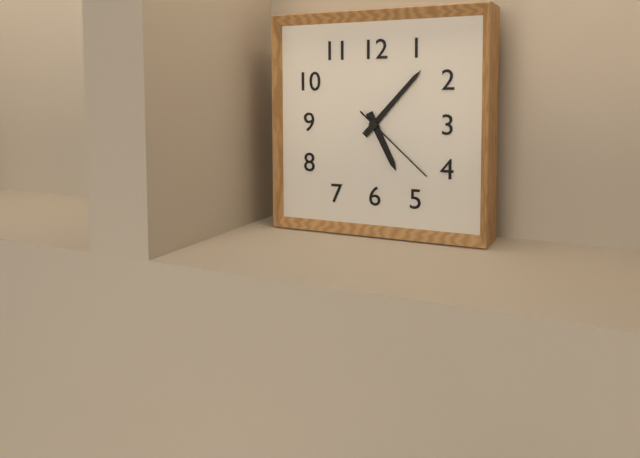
5:07:22
